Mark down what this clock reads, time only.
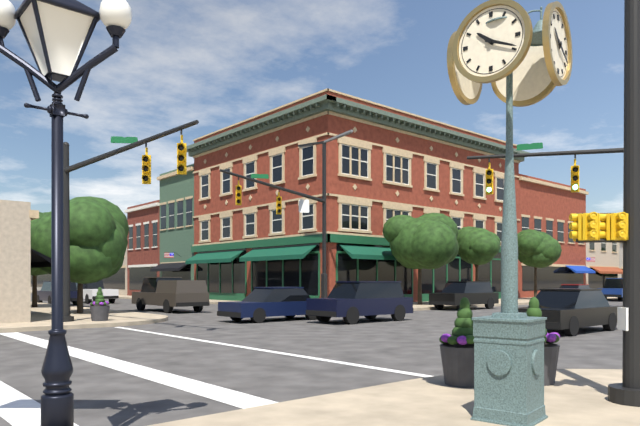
10:19
